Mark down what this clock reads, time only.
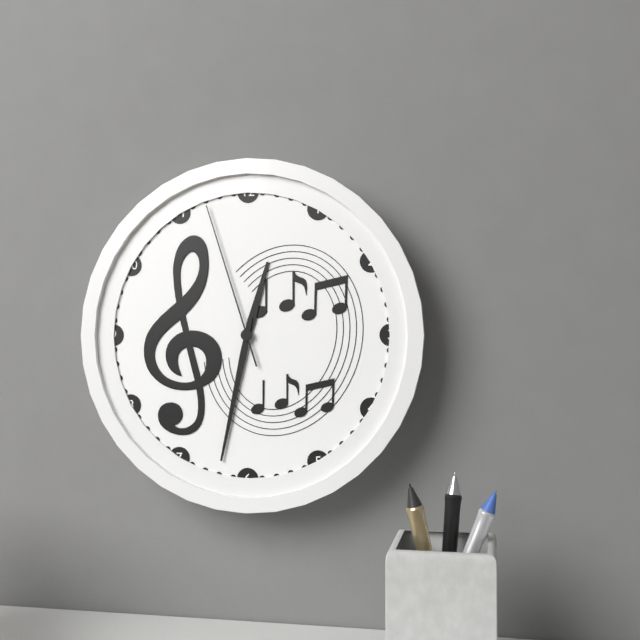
12:32:57
